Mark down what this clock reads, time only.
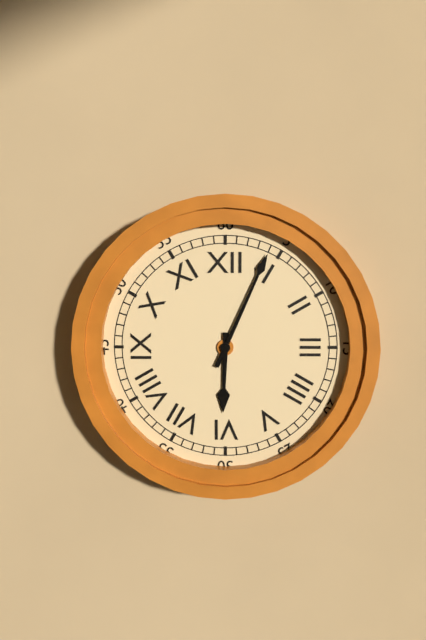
6:04
